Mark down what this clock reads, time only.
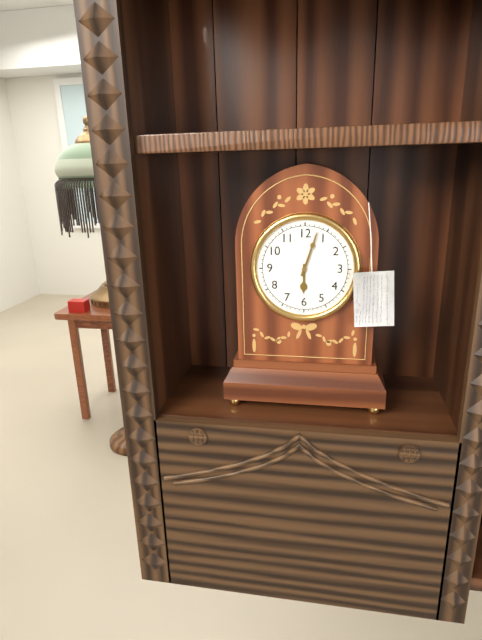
6:03
